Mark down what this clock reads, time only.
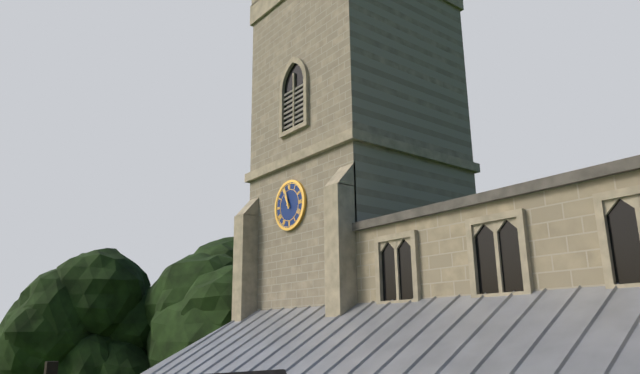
10:57
